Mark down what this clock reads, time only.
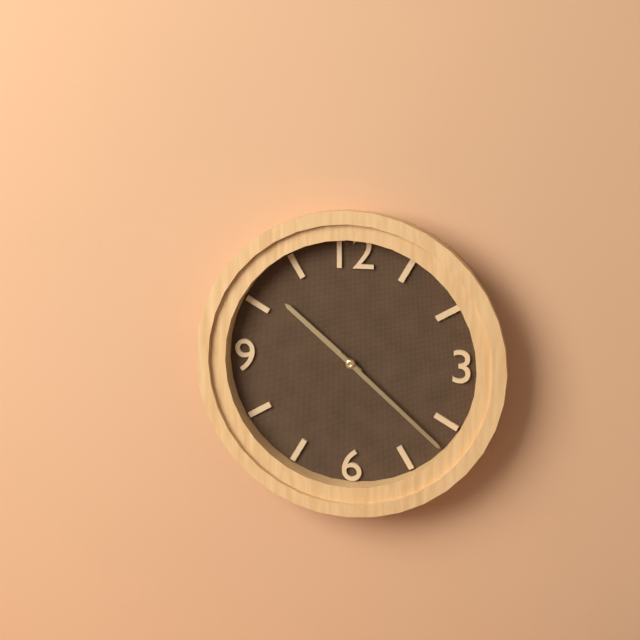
10:22
